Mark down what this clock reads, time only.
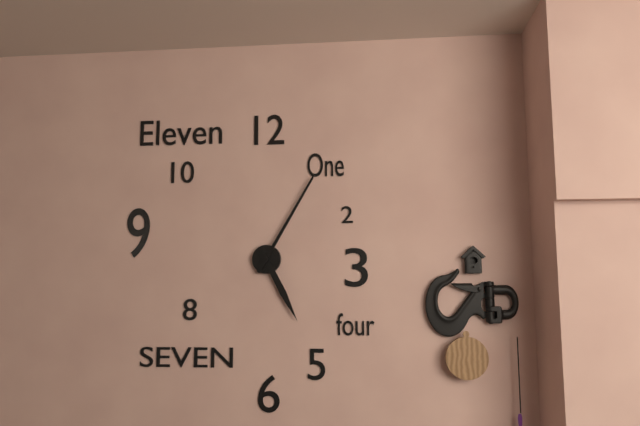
5:05
